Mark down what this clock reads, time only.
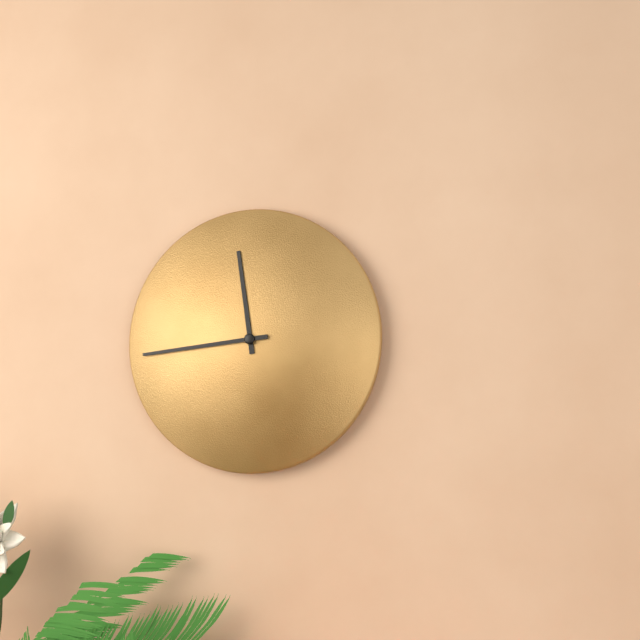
11:44
